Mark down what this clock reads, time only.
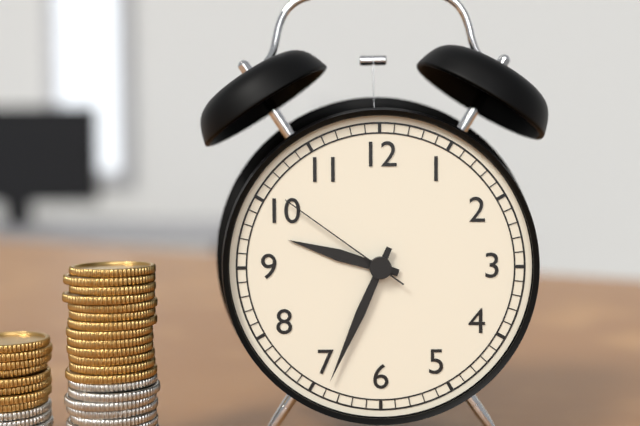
9:34:51
